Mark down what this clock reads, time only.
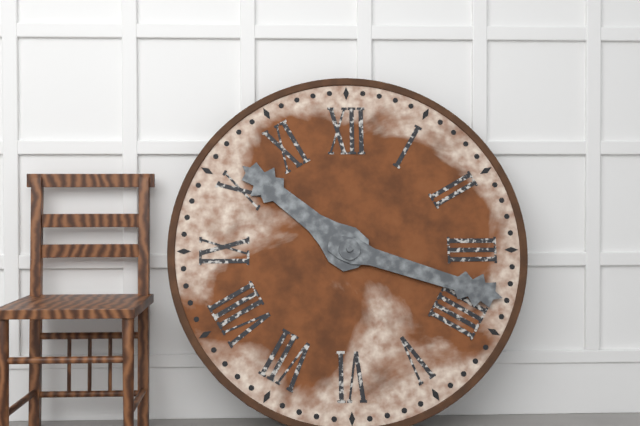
10:18
